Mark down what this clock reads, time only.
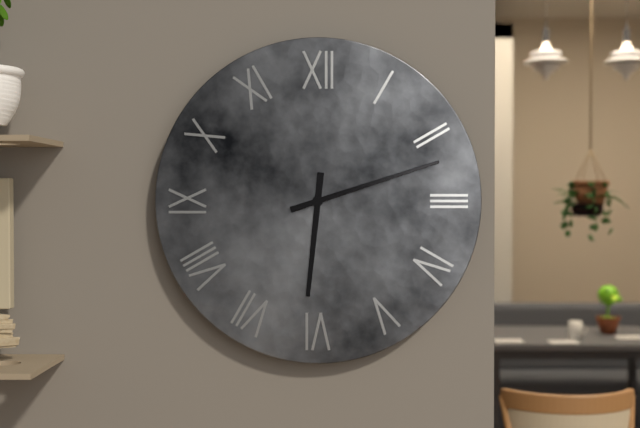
6:12
